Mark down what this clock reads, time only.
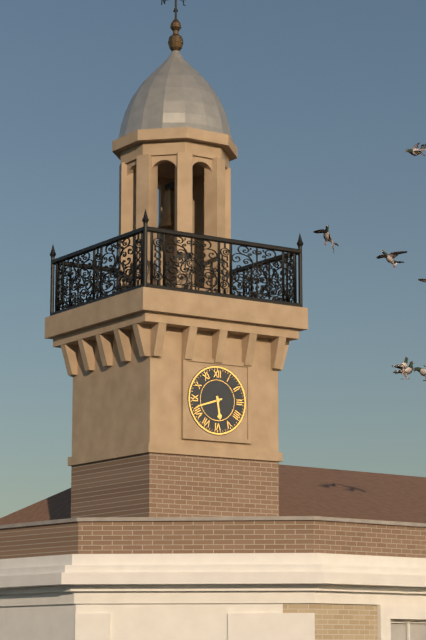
5:42
